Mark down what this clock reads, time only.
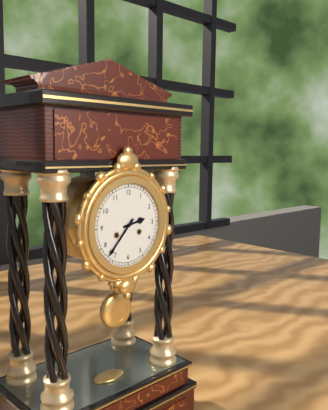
2:37
